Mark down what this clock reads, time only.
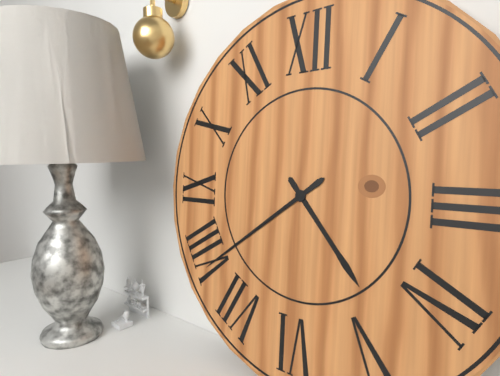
4:39
